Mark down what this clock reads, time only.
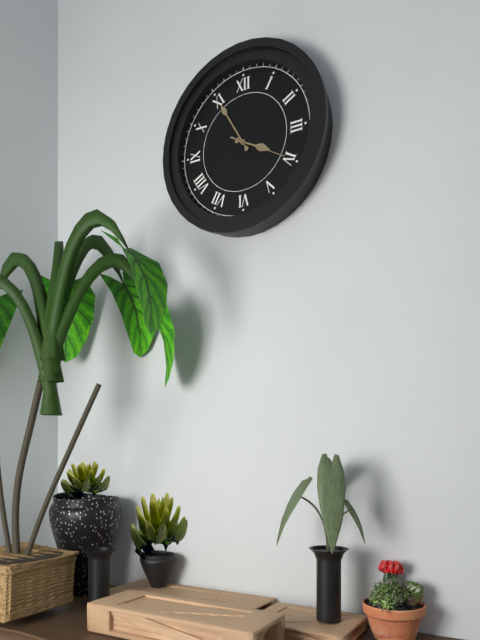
3:55:20
